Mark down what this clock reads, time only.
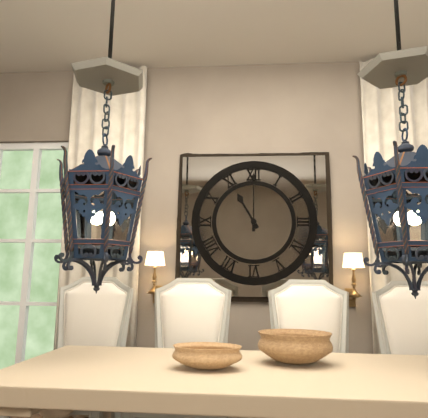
11:00
